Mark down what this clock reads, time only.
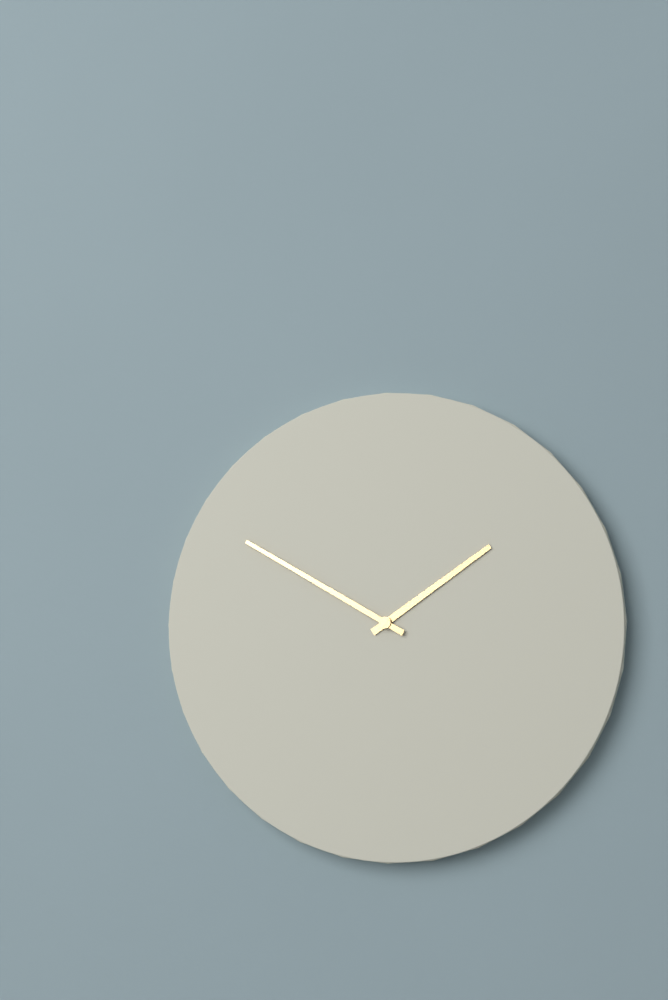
1:50
